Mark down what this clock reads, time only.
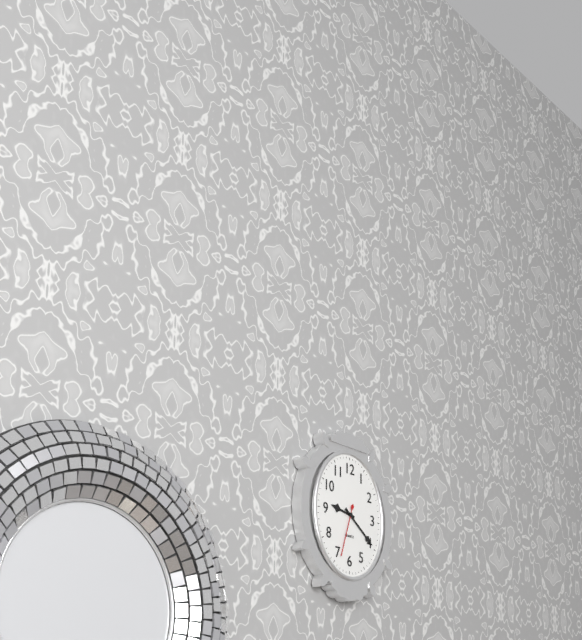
9:21:33
